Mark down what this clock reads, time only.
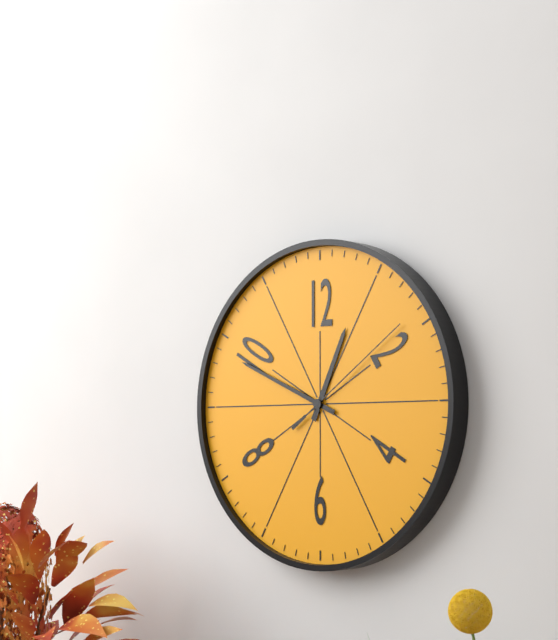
12:49:09
